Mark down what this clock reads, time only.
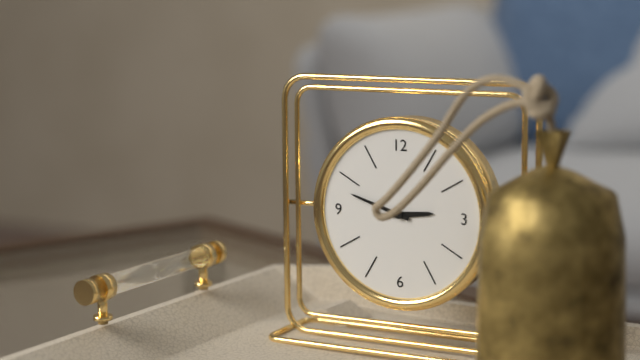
2:48
